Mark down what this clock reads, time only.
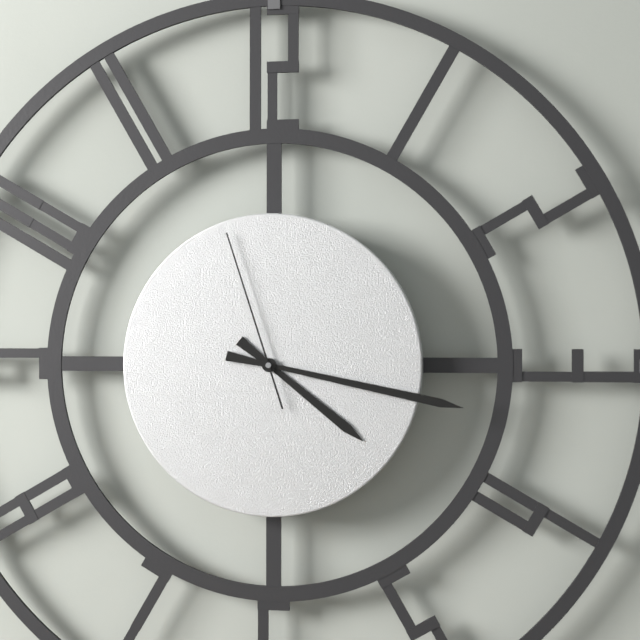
4:17:57
